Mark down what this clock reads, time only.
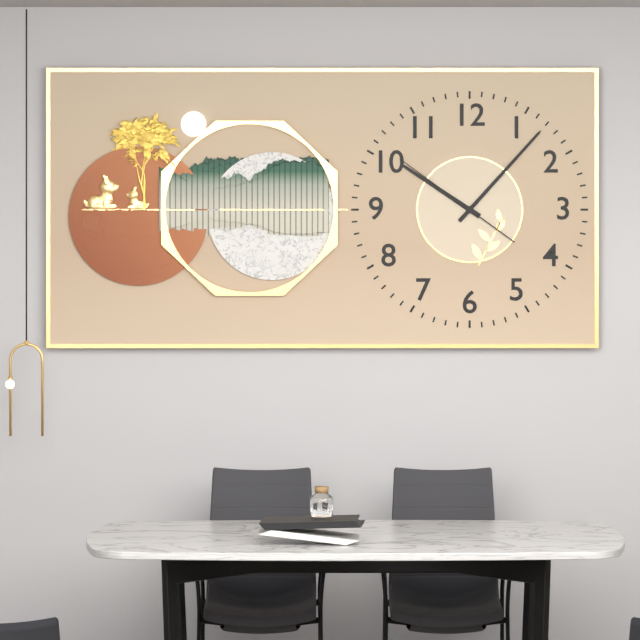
10:07:51
